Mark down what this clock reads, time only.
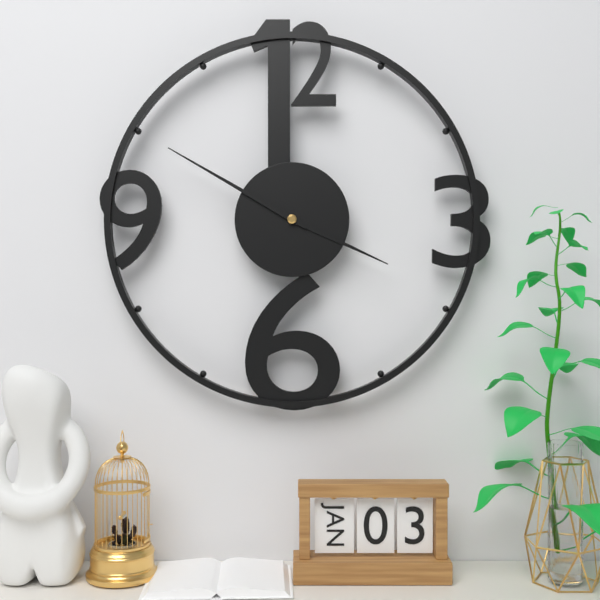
3:50
